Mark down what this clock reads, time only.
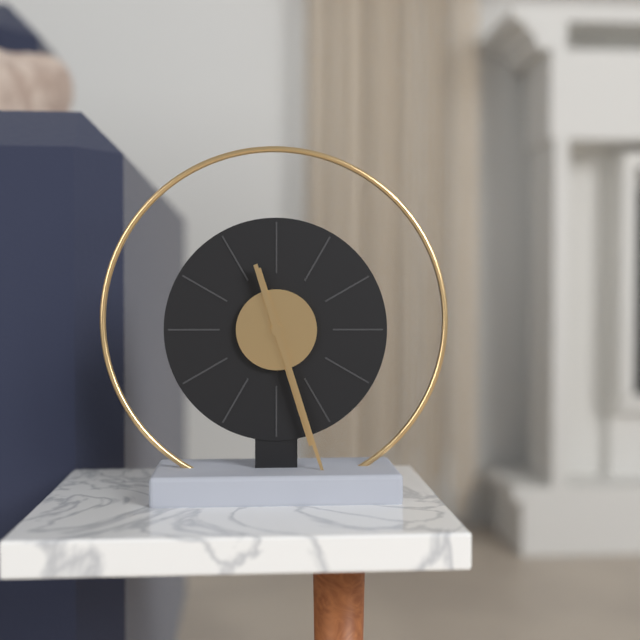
5:27
